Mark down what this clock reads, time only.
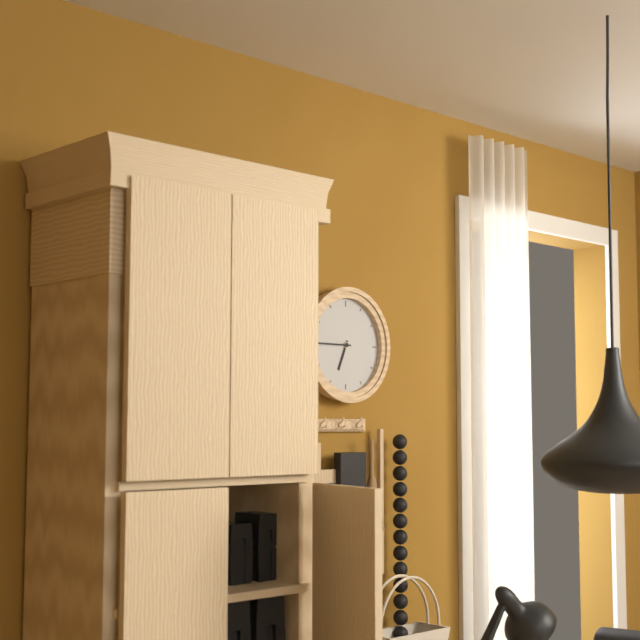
6:45
